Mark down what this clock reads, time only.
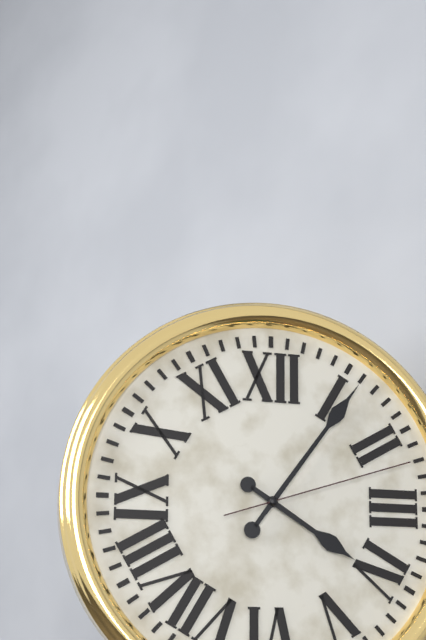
4:06:12
